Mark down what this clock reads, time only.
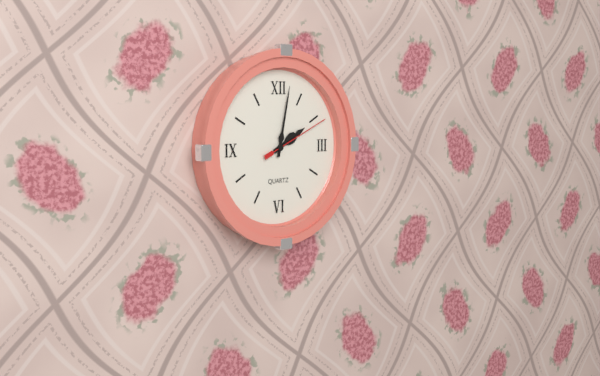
2:02:11
